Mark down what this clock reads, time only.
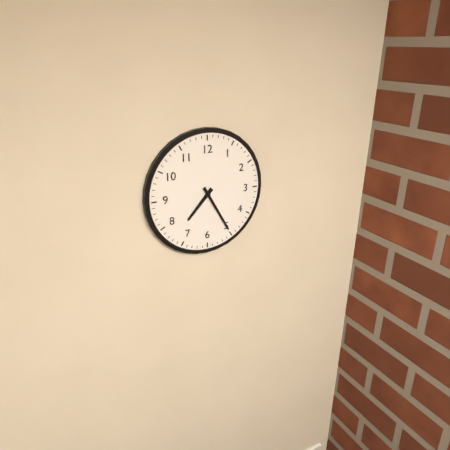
7:25
